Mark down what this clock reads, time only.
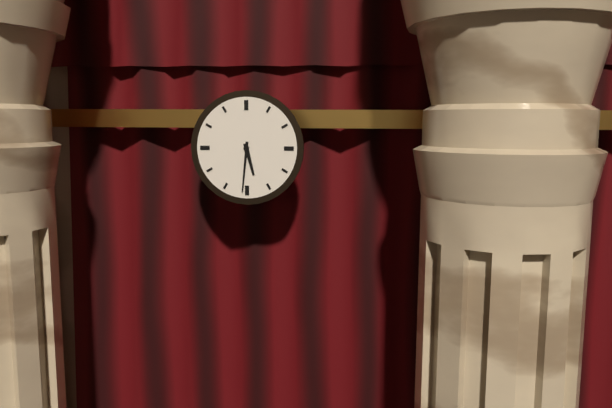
5:31
